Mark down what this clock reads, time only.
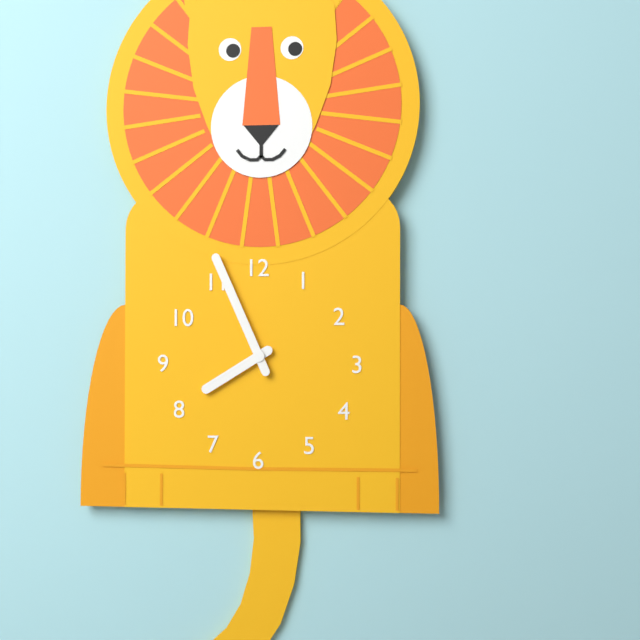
7:56
